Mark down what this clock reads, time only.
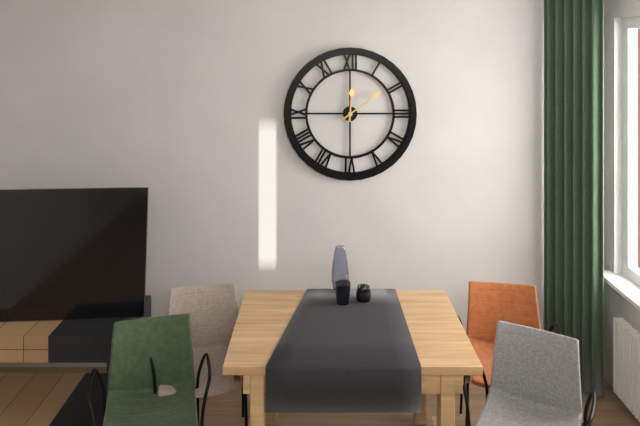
12:09
